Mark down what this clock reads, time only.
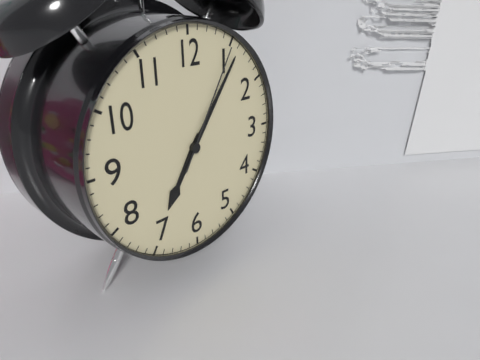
7:06:05
